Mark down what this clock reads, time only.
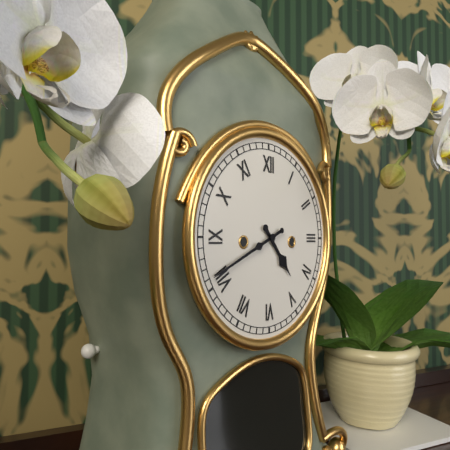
4:41
